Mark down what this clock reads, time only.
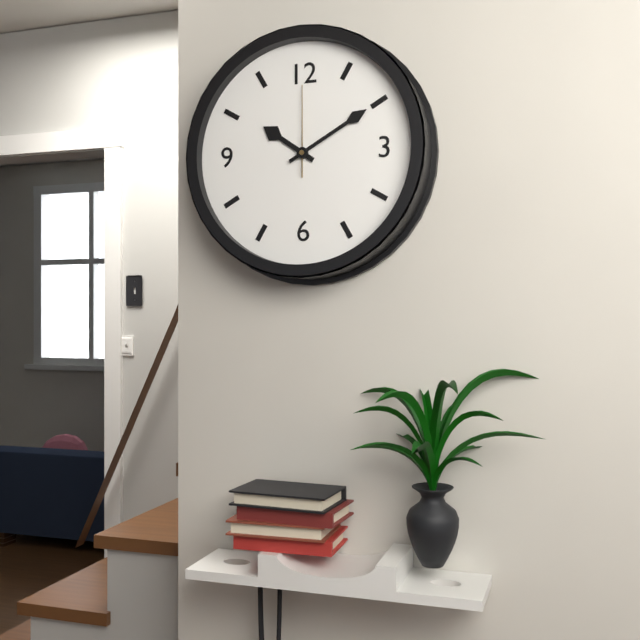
10:10:00
